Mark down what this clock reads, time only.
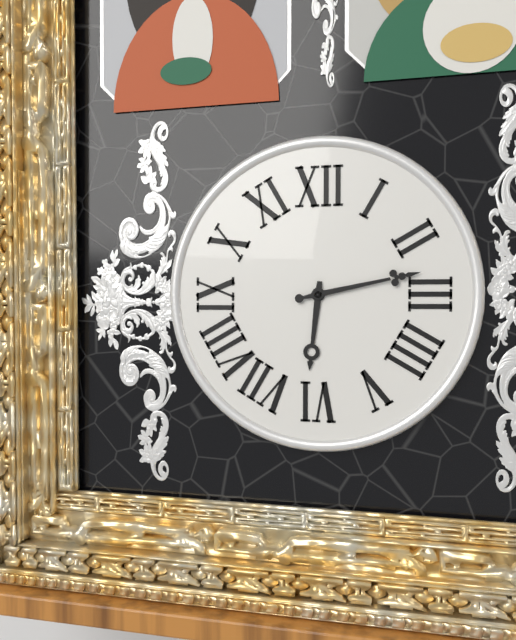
6:13
